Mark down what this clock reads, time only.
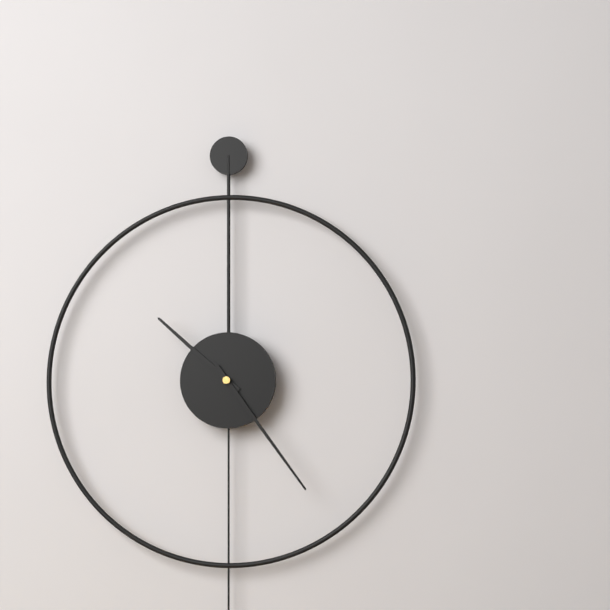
10:24
